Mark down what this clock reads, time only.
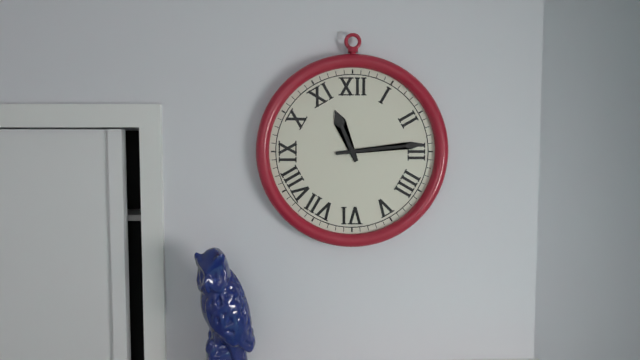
11:14
